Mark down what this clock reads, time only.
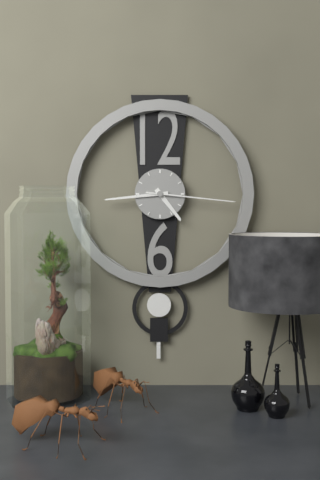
4:44:16
